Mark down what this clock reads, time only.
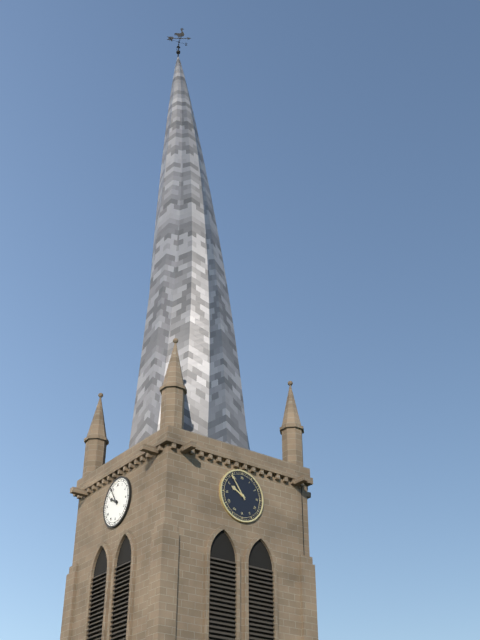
9:54
